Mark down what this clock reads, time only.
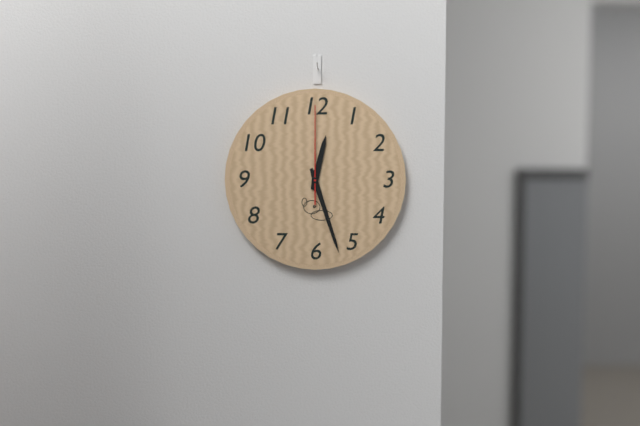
12:27:00
